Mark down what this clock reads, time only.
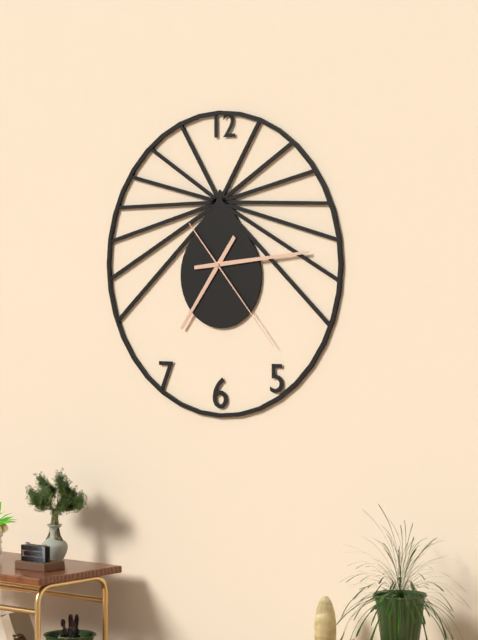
7:14:23
